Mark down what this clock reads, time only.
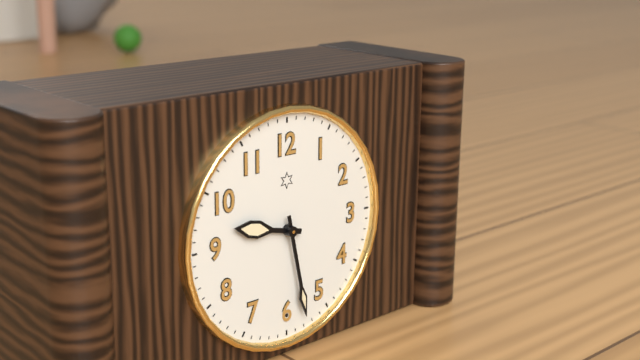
9:28
